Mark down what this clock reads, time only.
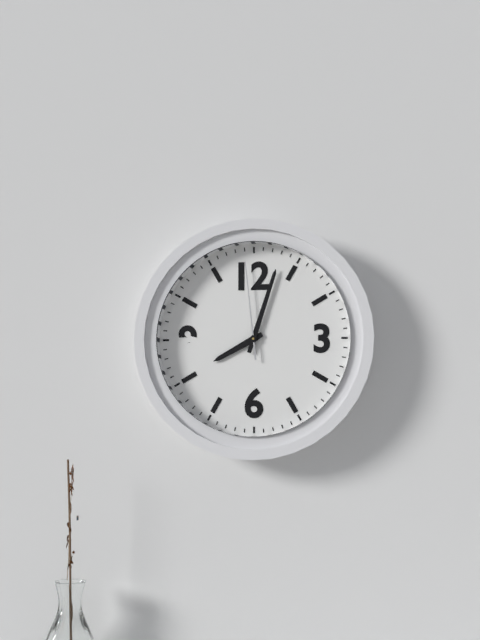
8:03:59
